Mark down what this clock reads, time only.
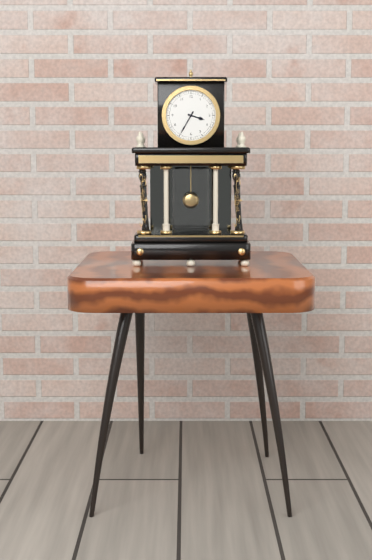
3:35
